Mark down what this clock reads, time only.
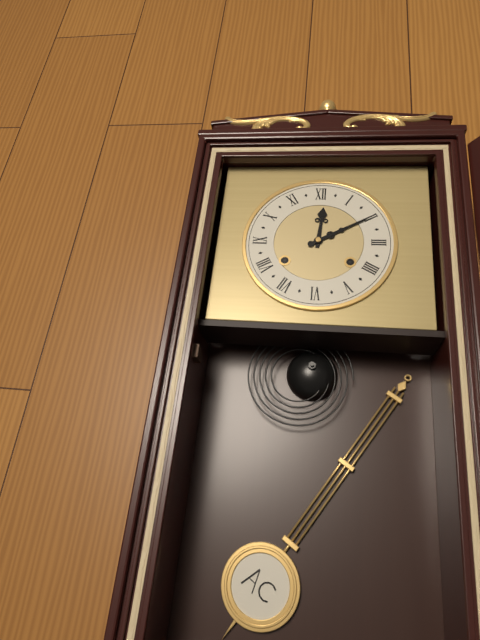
12:10
